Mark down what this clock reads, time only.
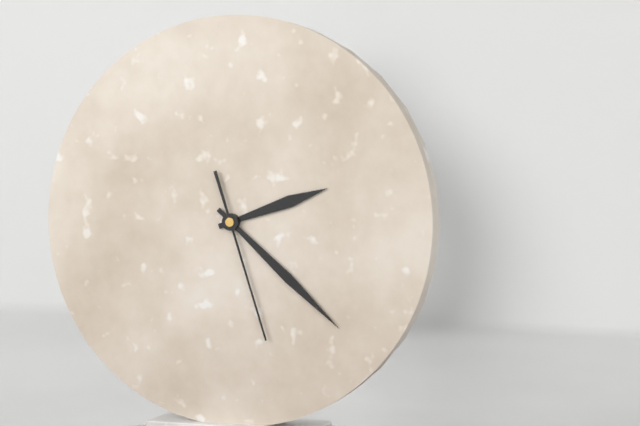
2:22:27
